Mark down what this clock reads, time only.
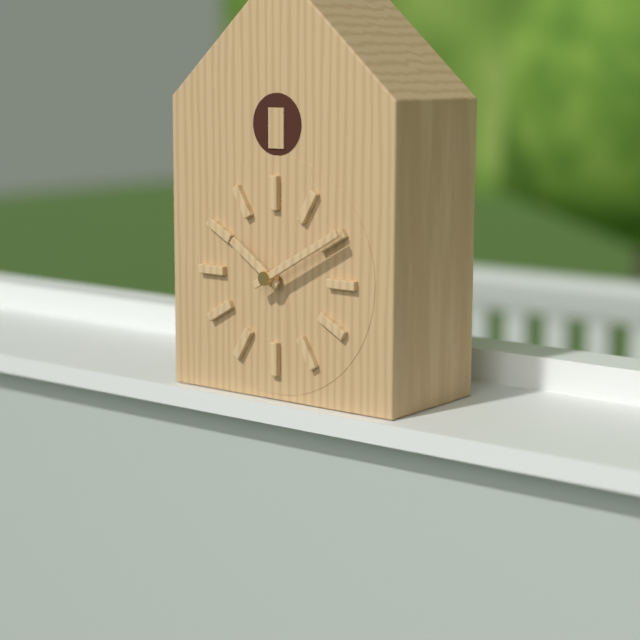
10:10
